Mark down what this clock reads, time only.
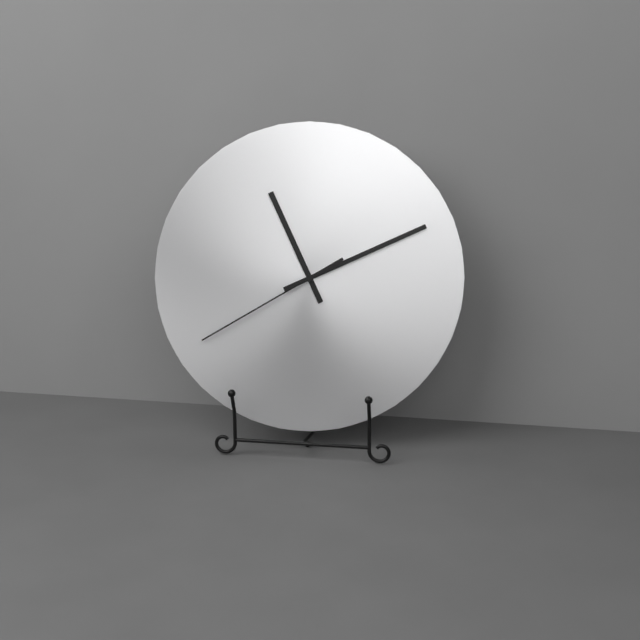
11:11:40
